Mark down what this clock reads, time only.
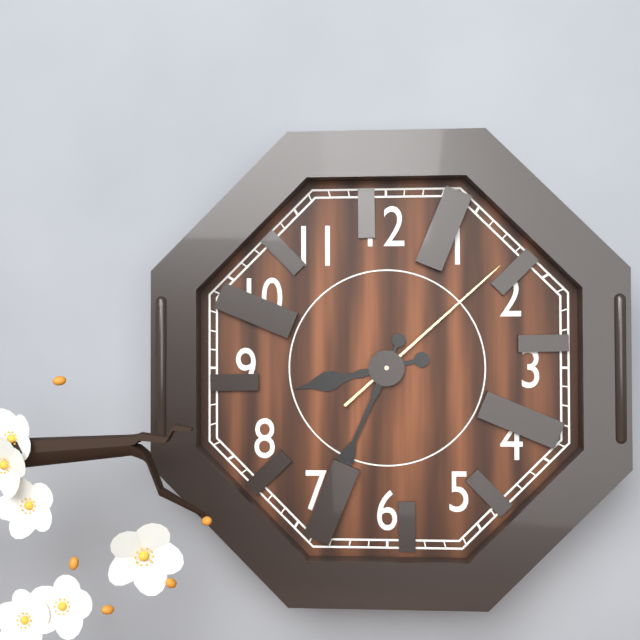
8:34:08
